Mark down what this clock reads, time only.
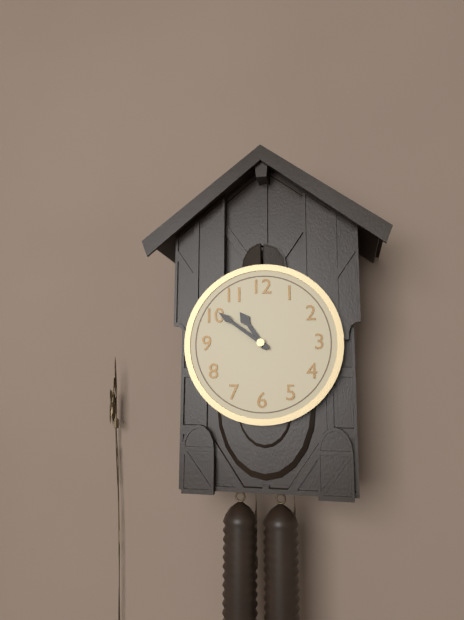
10:51
